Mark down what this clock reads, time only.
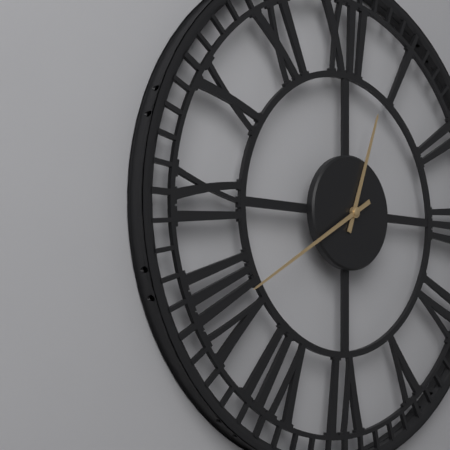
12:40
